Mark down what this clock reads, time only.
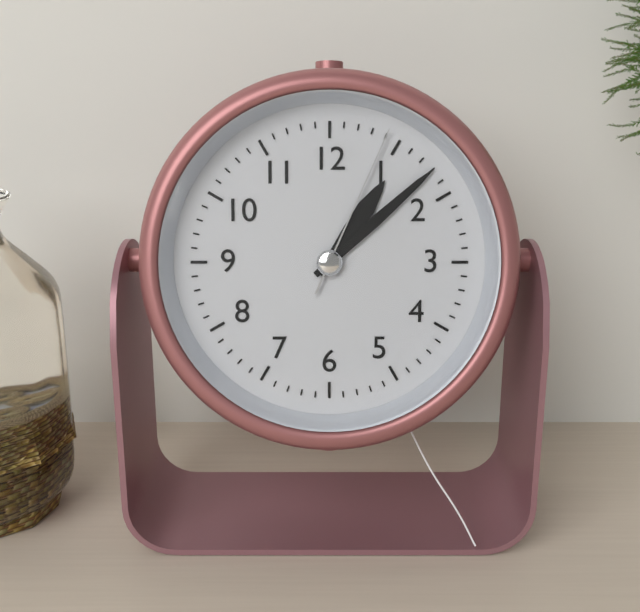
1:08:04
